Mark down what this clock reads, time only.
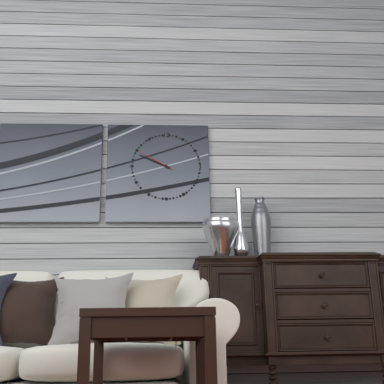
9:49
